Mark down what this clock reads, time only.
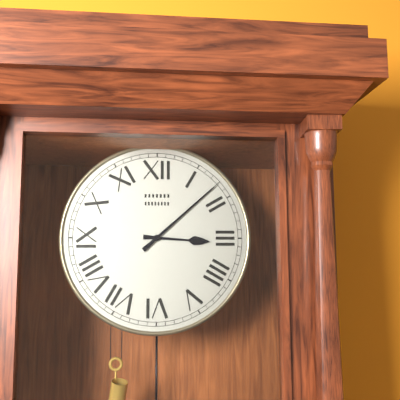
3:08
